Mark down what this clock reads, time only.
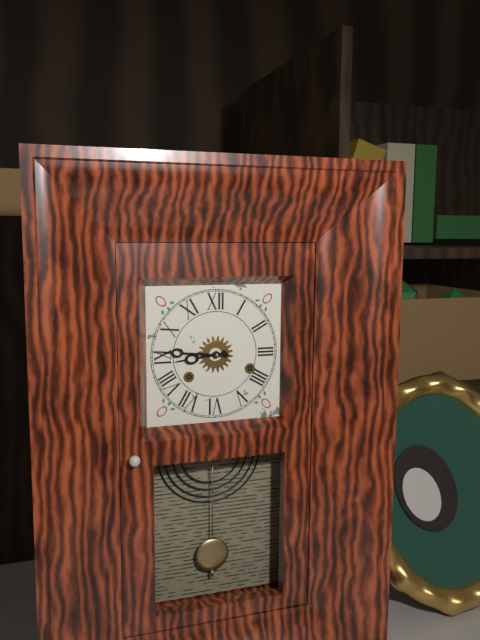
8:46
